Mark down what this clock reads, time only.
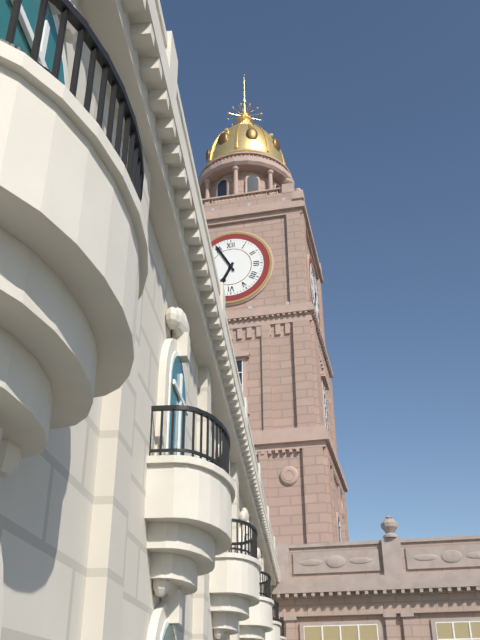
6:55
